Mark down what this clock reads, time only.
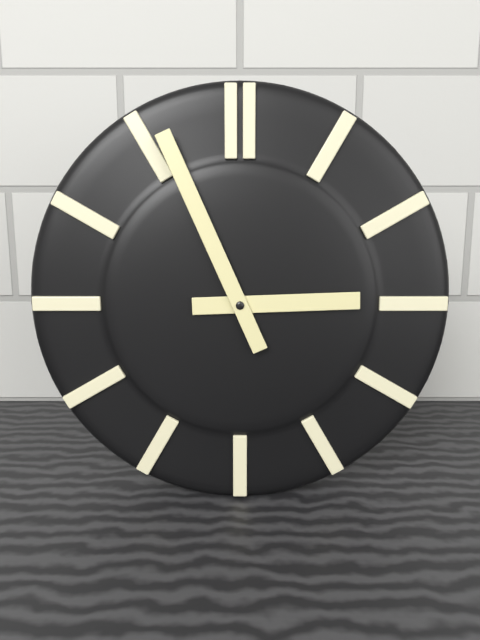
2:56
